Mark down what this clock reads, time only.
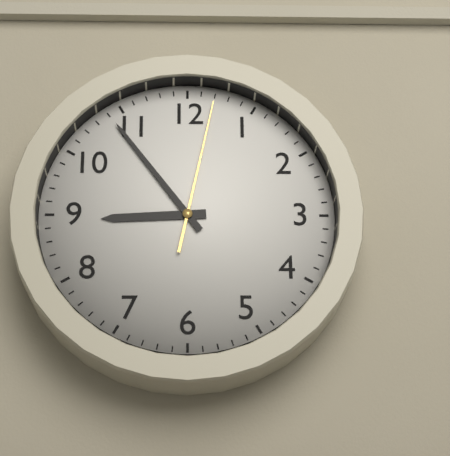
8:54:02
